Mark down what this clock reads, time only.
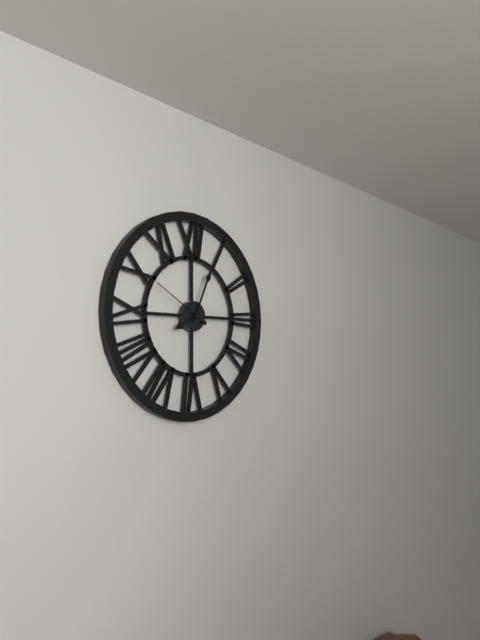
8:04:50
